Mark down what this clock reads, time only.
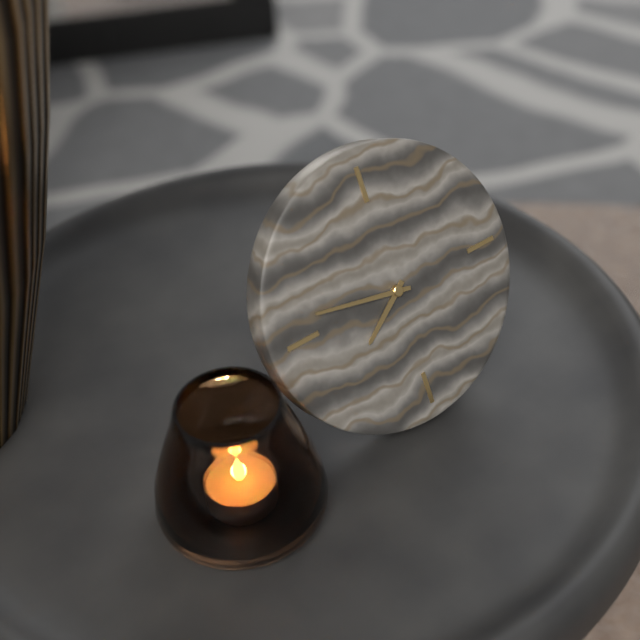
7:47
